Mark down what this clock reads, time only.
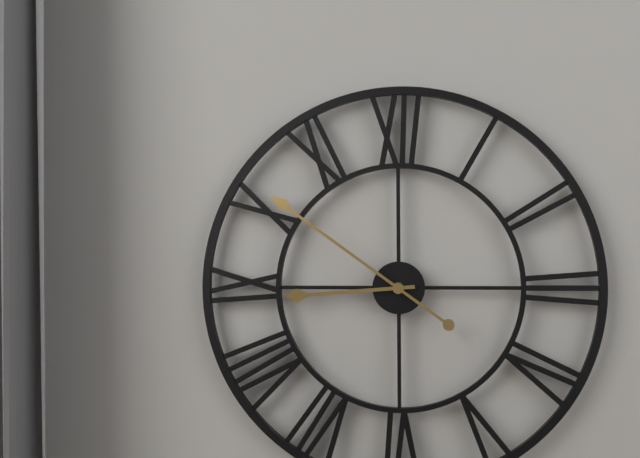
8:51
